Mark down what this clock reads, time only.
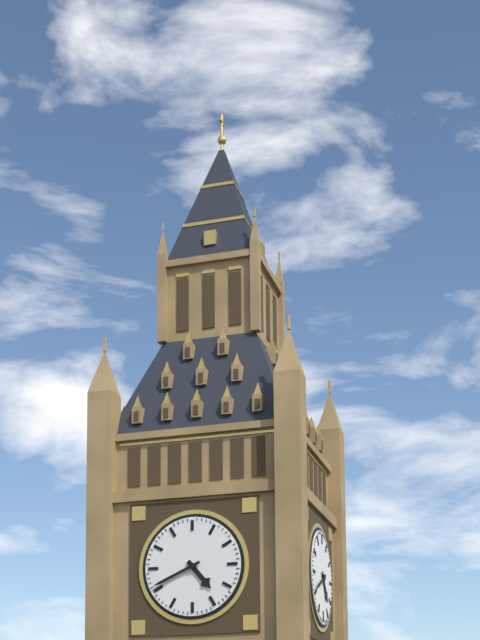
4:41
